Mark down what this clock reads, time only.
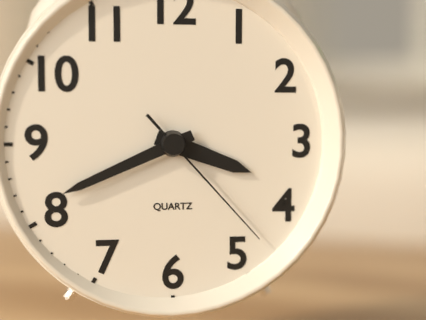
3:41:23
